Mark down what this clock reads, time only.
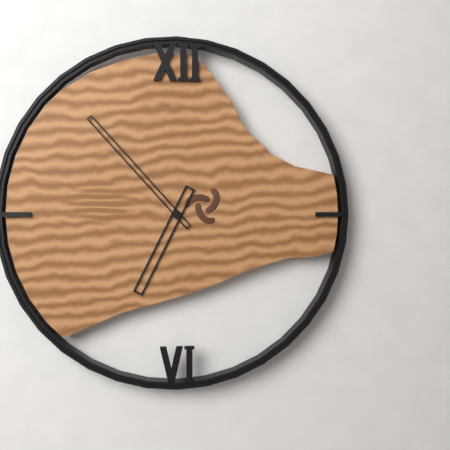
6:53
